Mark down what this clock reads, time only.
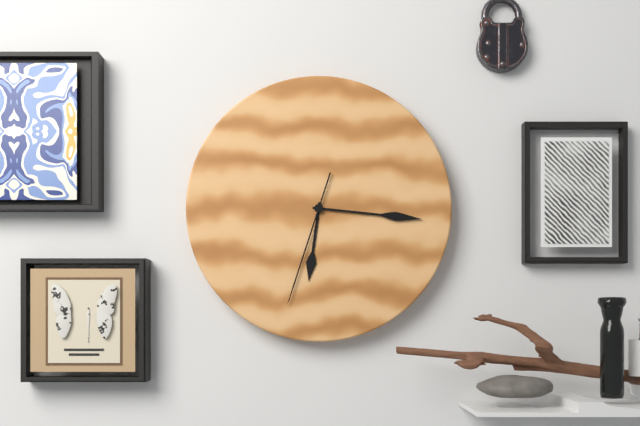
6:16:33
